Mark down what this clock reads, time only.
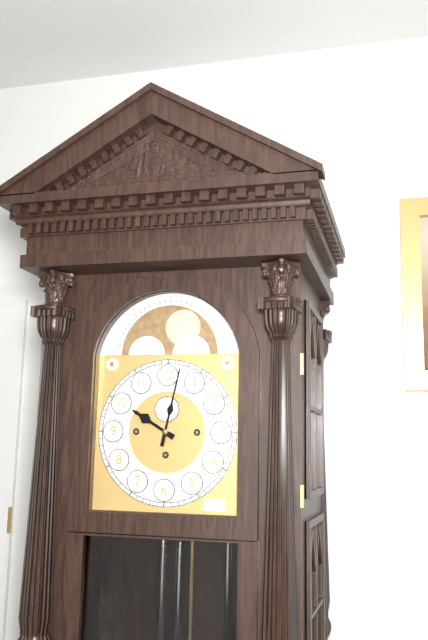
10:02
